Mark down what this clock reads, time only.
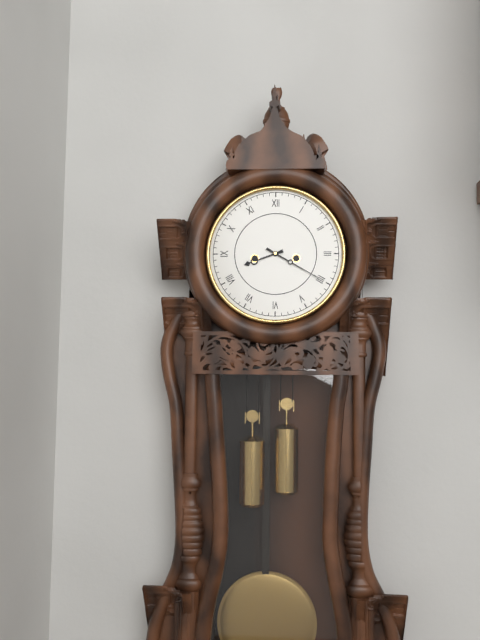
8:20
